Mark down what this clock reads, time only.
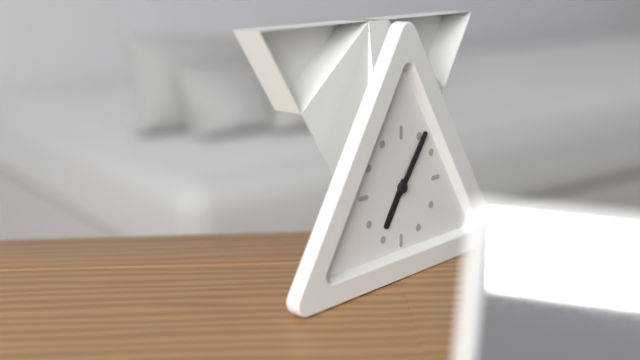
7:06
